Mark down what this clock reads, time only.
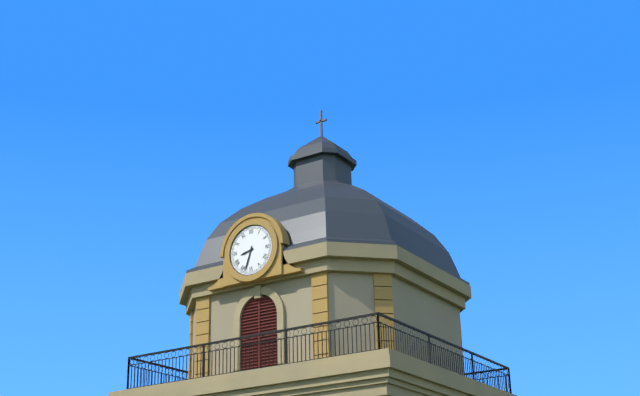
8:33
